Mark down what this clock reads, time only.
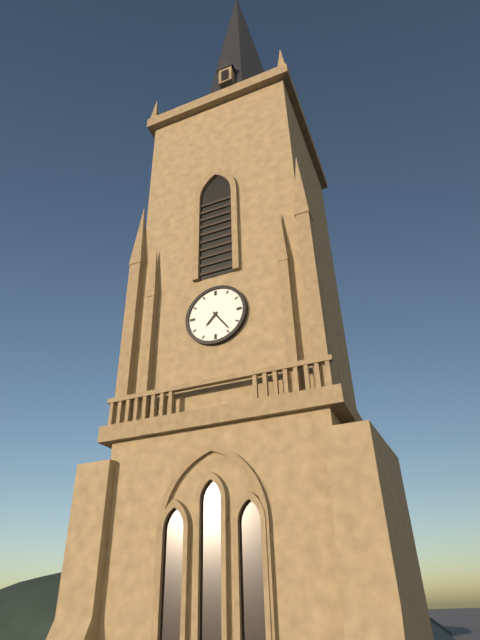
7:24
